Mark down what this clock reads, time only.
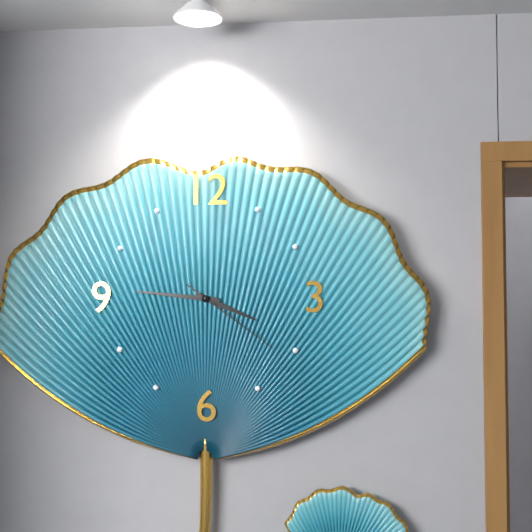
3:46:21
